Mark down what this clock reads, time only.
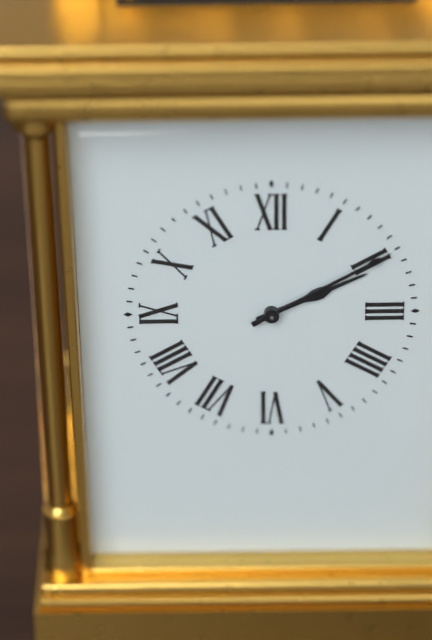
2:10
